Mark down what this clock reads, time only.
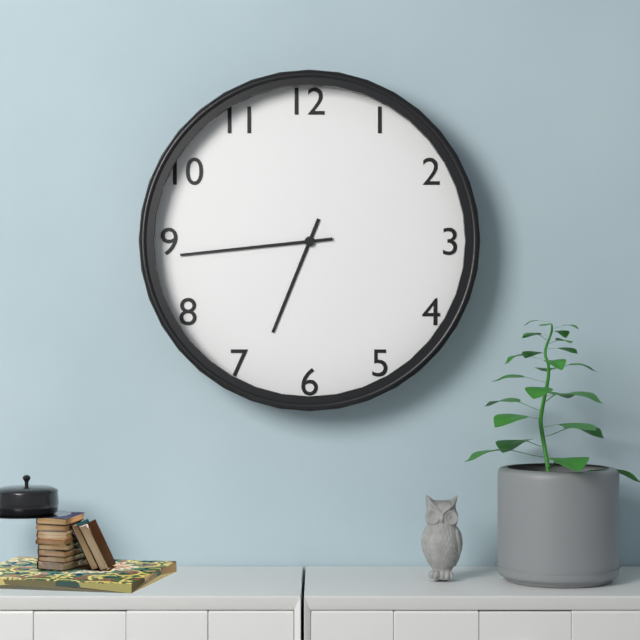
6:44
